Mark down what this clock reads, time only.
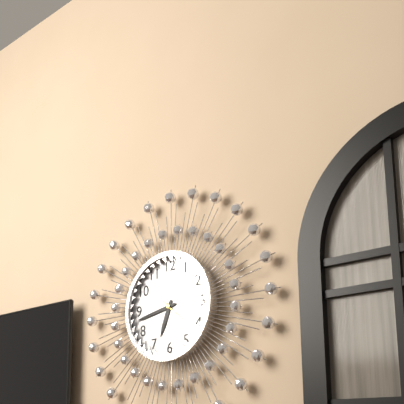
6:43
